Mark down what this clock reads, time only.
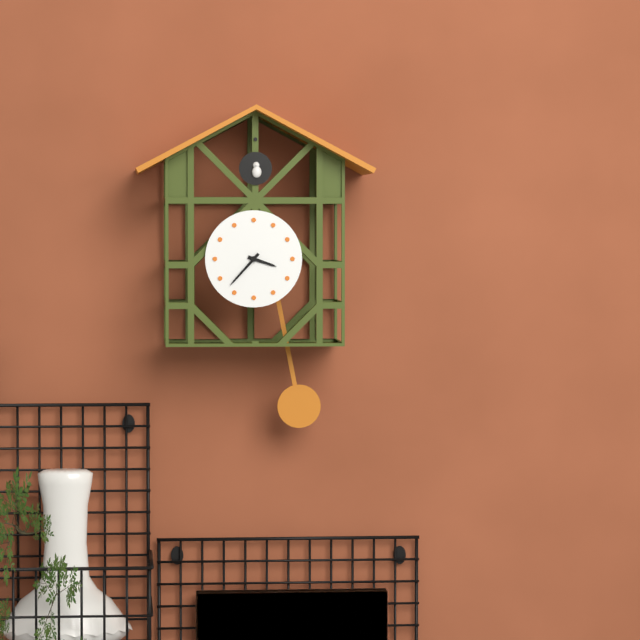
3:37
